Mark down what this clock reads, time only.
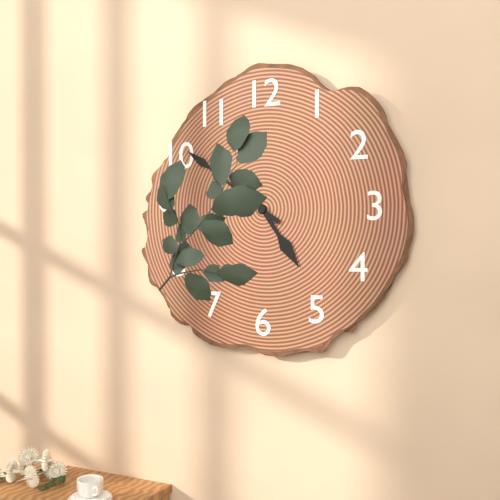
4:51
